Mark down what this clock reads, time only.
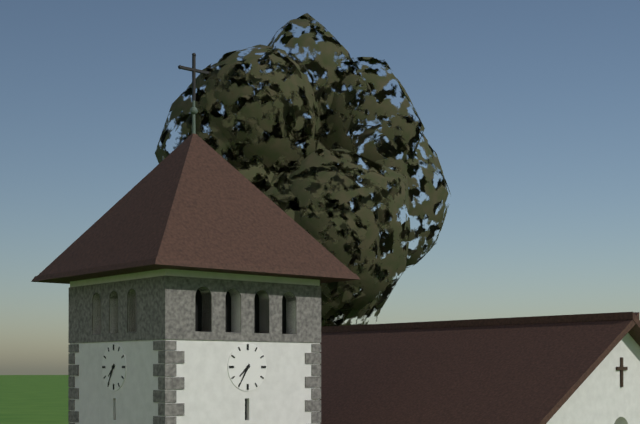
7:35
